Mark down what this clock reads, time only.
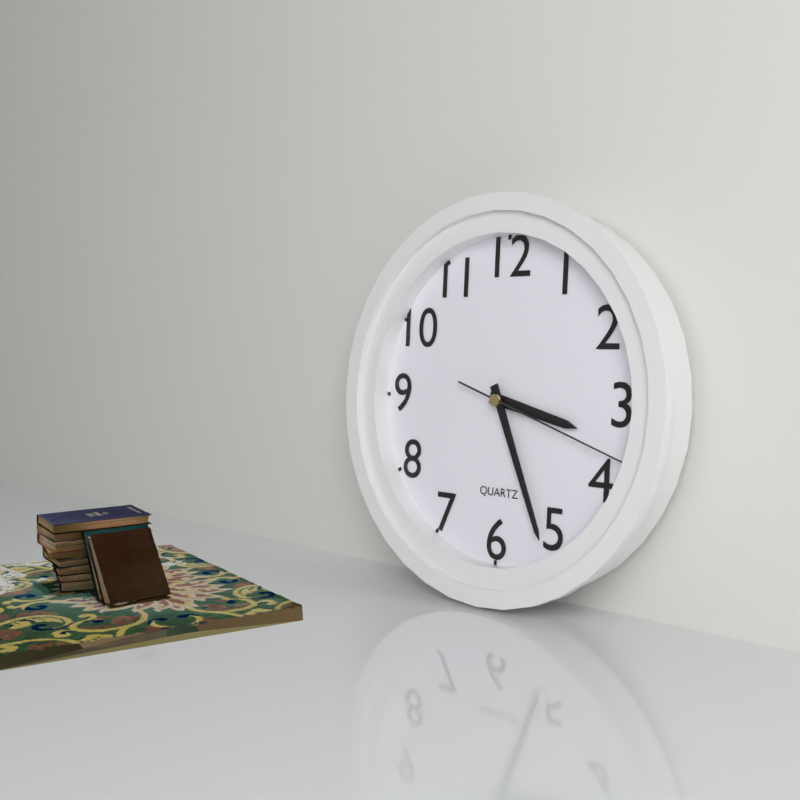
3:26:18
